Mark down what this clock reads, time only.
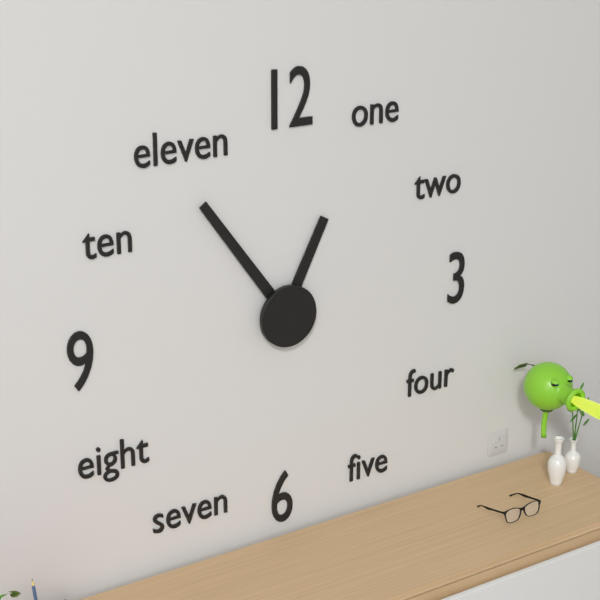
12:54
